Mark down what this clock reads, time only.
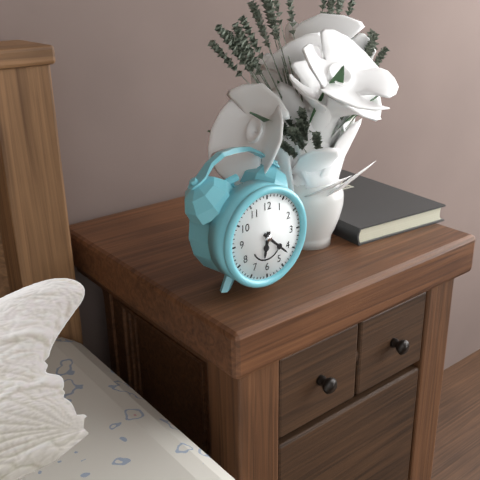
6:22
